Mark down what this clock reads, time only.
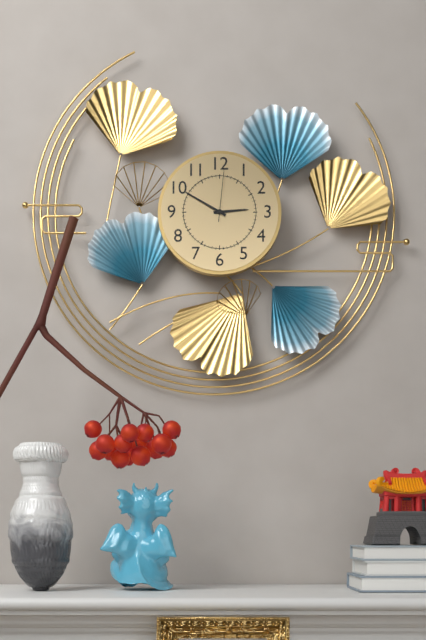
2:50:01
